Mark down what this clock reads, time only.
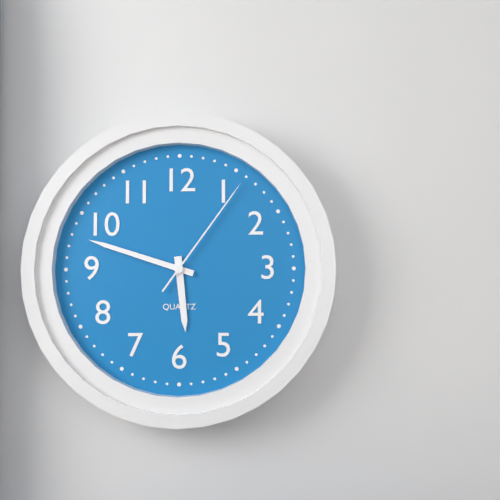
5:48:06
